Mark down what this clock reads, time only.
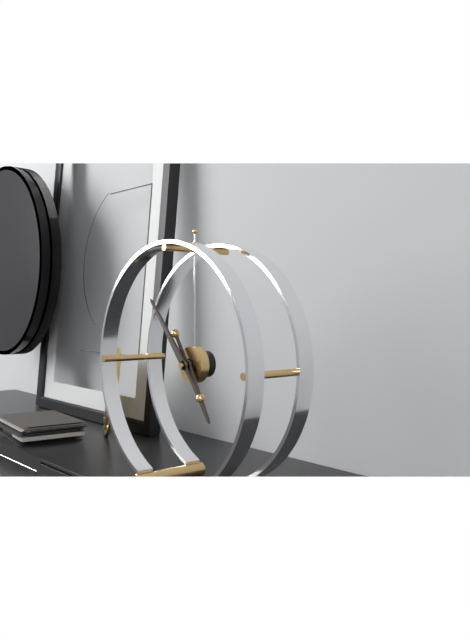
4:53
